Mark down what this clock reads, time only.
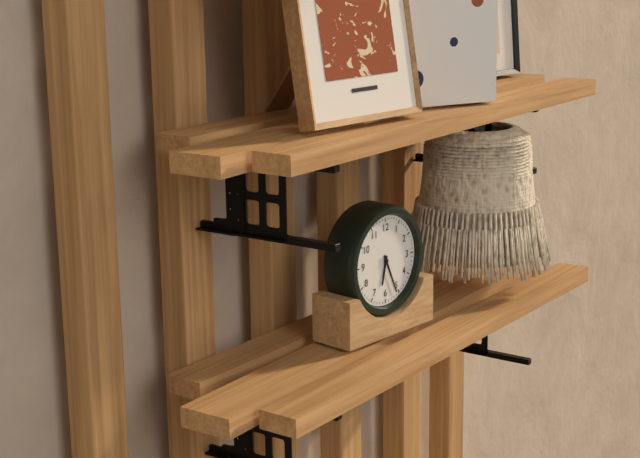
6:26
